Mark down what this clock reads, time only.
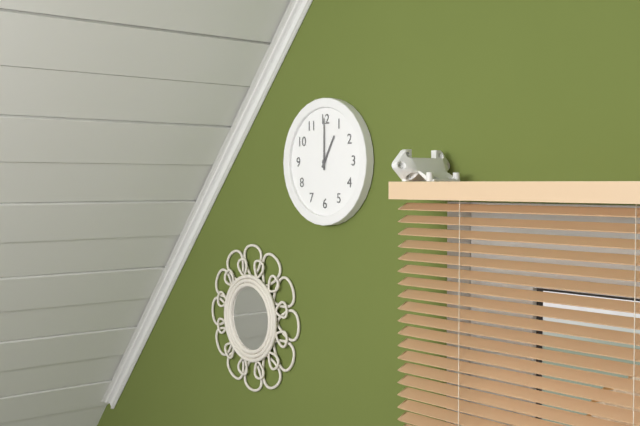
1:00
